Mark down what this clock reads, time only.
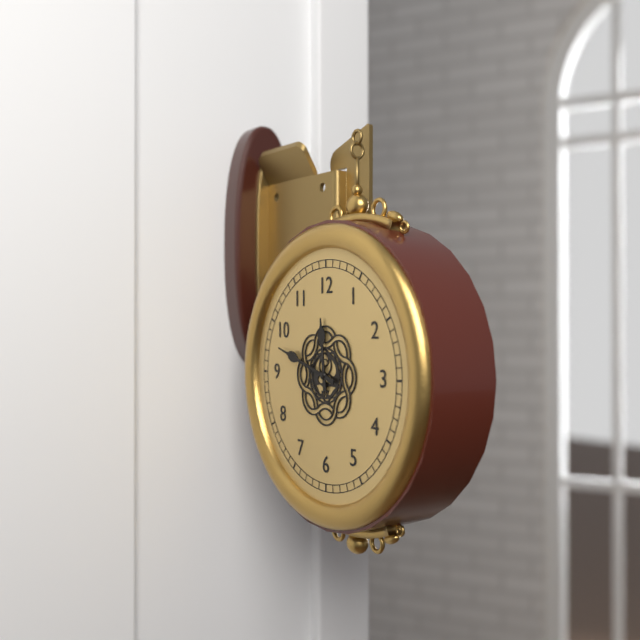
11:48
